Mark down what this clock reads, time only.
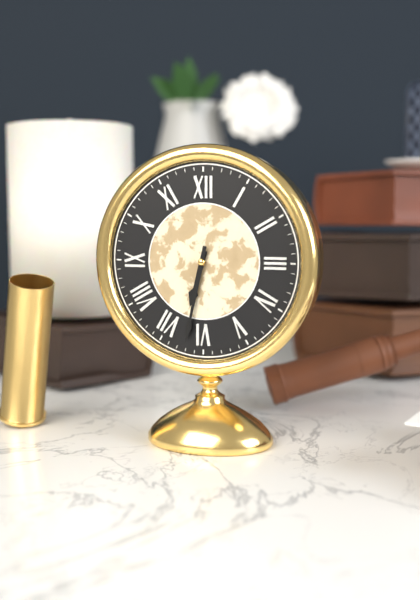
6:32
